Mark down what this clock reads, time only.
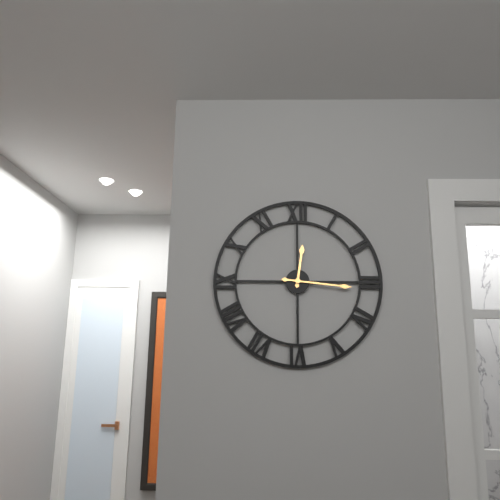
12:16
